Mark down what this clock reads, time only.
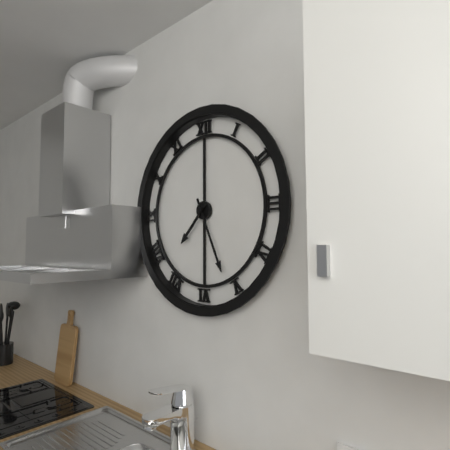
7:26
